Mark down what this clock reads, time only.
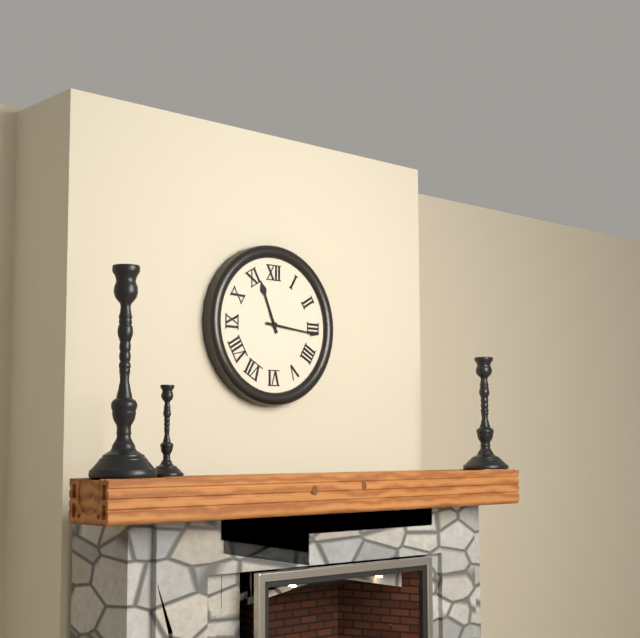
11:16
